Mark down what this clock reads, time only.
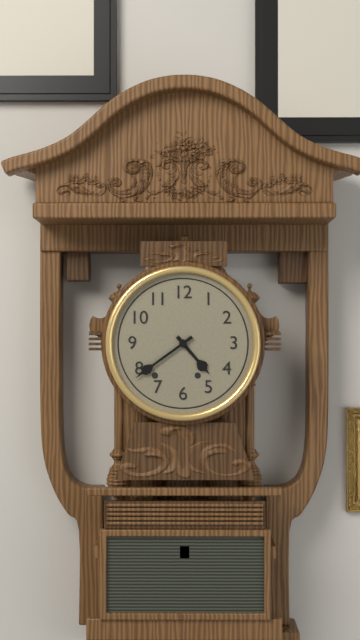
4:39
